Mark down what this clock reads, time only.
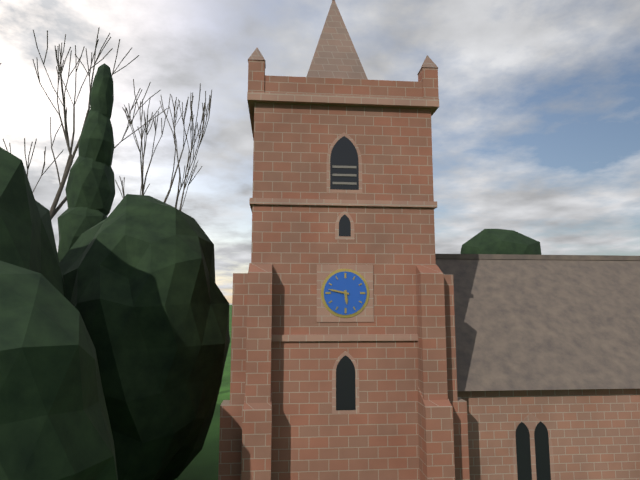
5:47
